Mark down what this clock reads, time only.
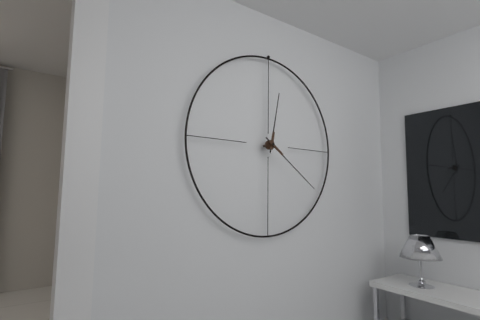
12:21
